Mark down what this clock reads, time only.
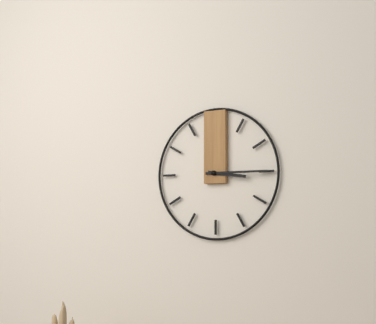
3:15
